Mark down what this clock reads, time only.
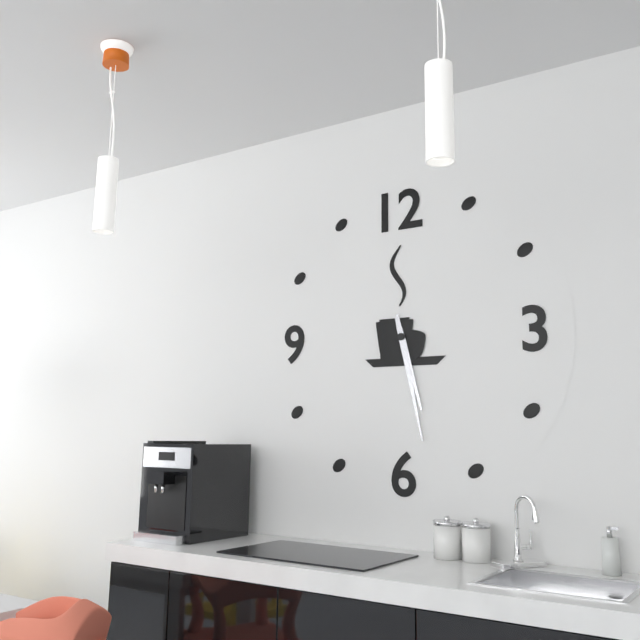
5:28
